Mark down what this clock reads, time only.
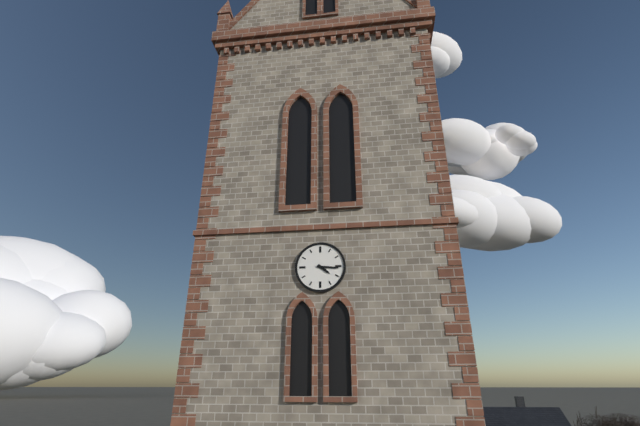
4:16
